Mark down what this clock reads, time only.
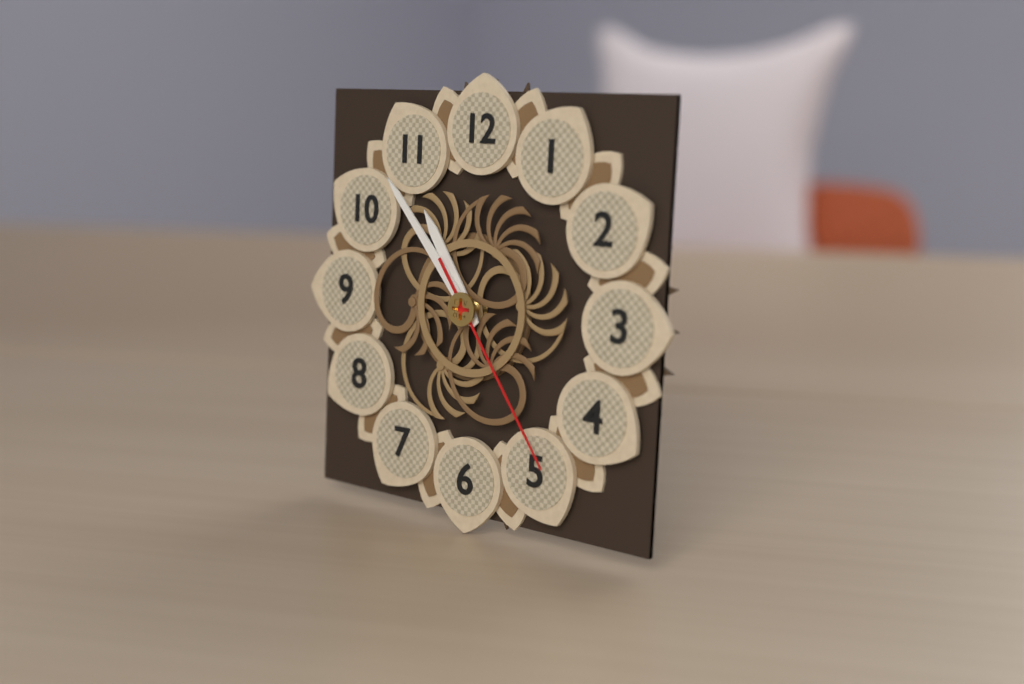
10:53:24
